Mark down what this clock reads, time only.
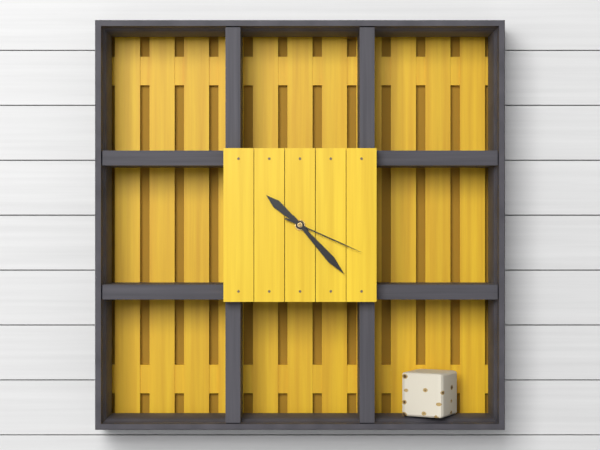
10:23:19
